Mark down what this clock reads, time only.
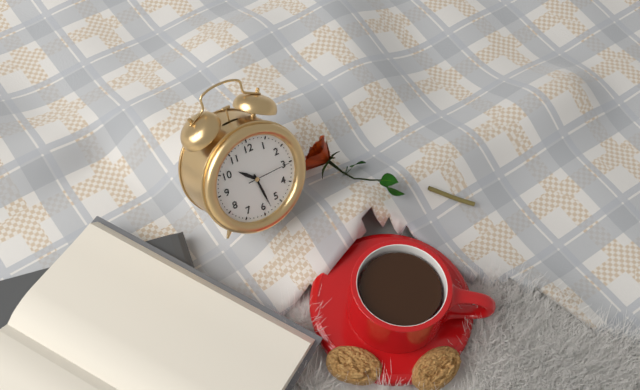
10:28
